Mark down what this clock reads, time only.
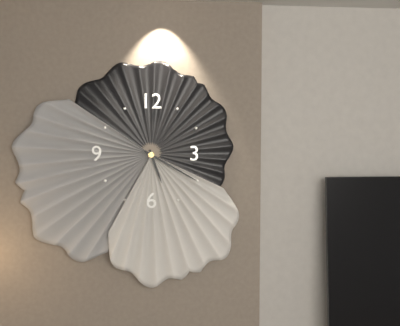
5:20
